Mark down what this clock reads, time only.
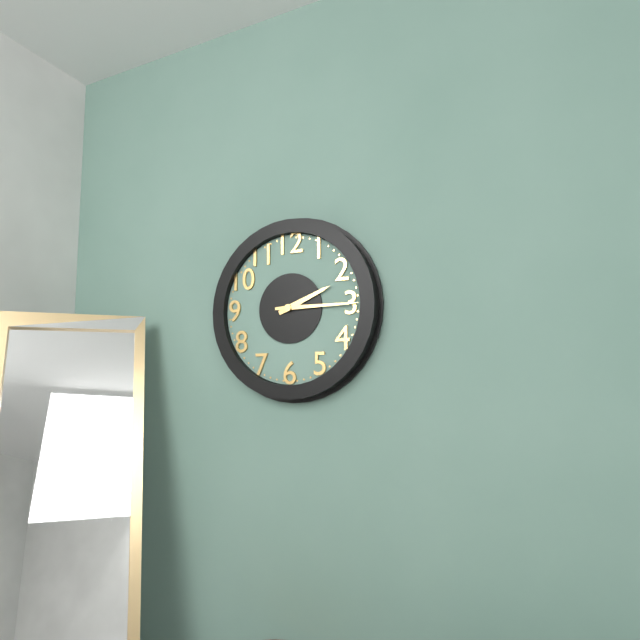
2:15
